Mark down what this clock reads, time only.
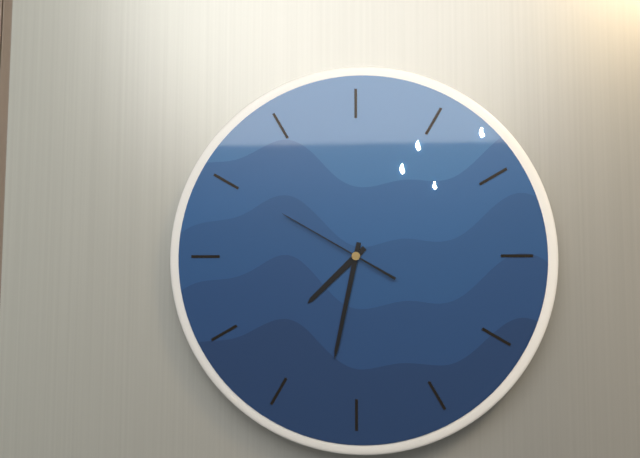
7:32:50
